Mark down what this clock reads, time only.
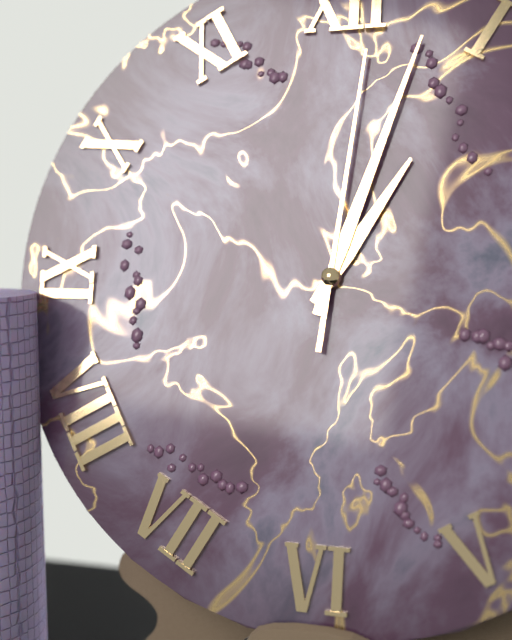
1:03:01
